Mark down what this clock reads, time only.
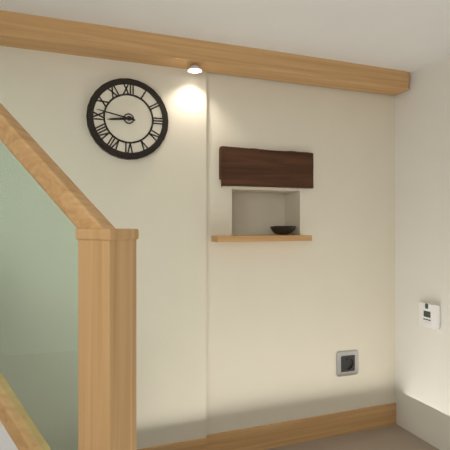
8:47
